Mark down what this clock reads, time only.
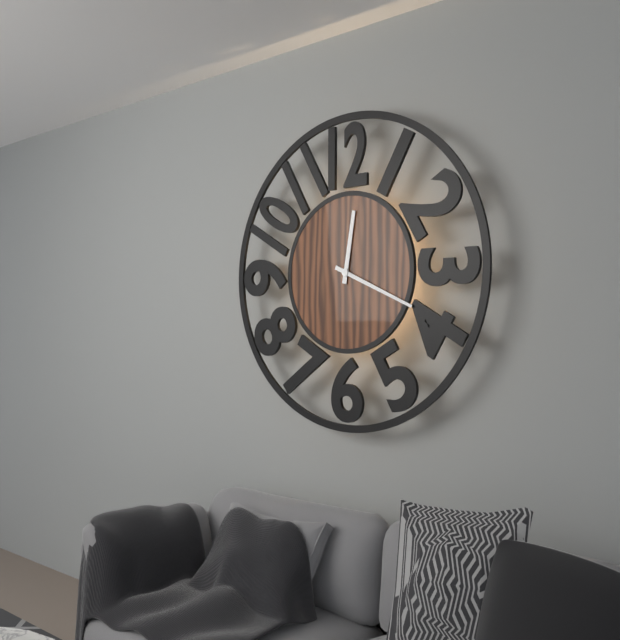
12:19
